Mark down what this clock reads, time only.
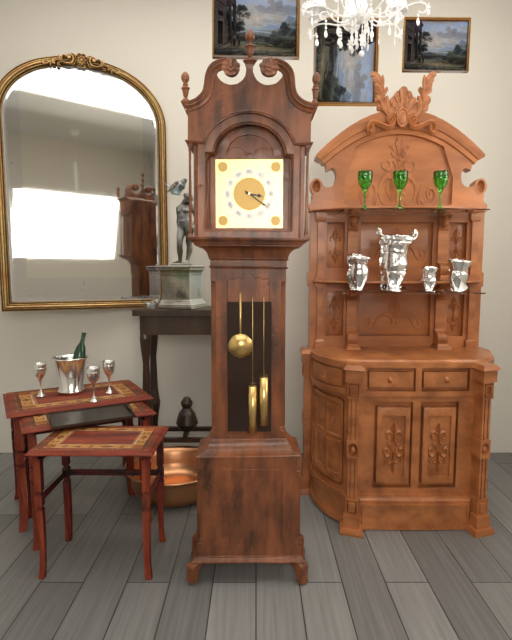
3:21
